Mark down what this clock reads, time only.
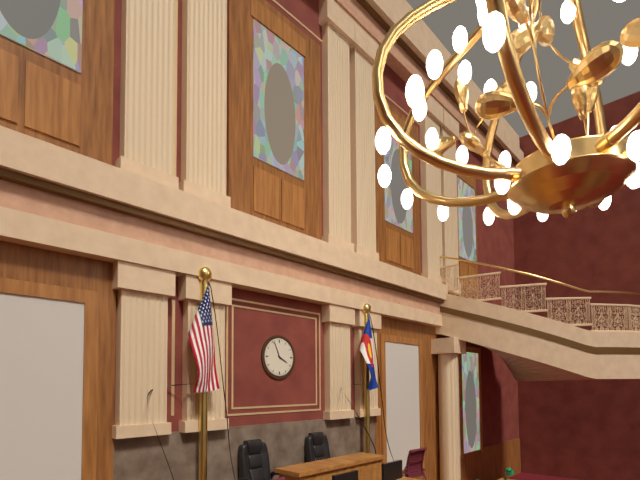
3:56
